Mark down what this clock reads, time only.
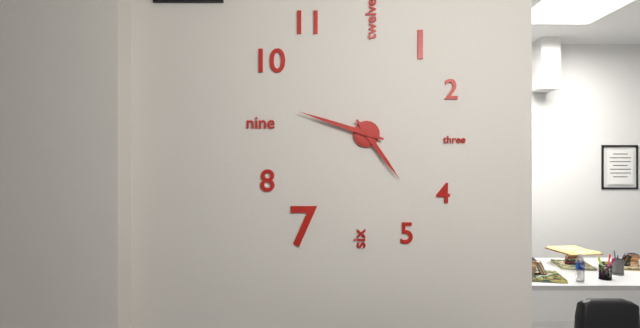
4:48
